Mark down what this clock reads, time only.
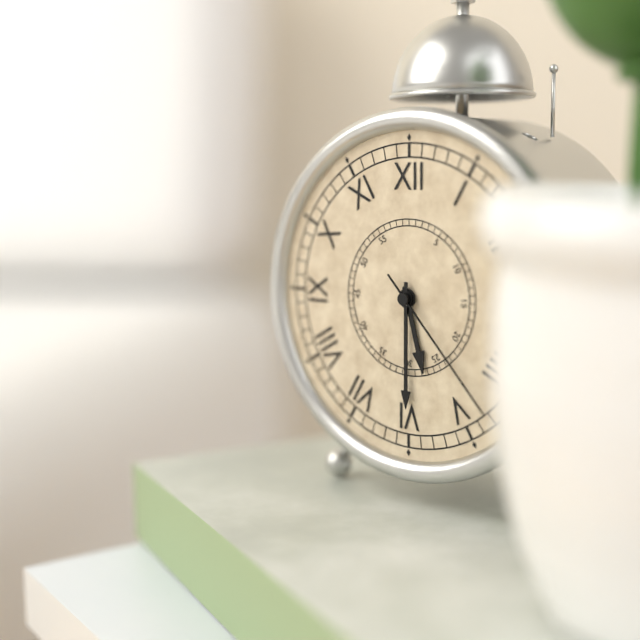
5:30:23
